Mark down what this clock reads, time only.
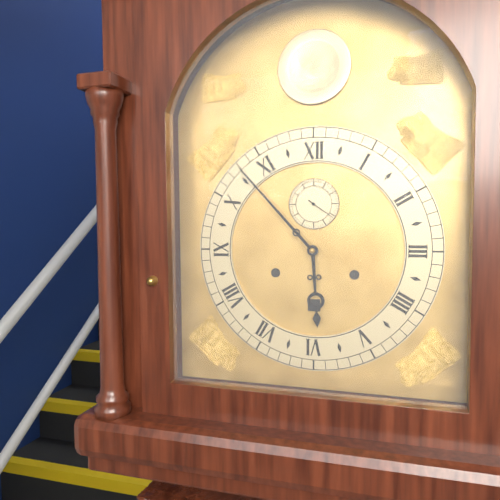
5:53
